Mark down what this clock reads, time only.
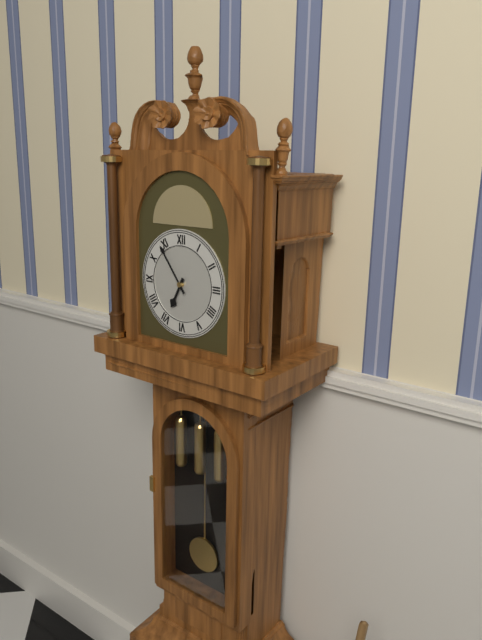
6:54
